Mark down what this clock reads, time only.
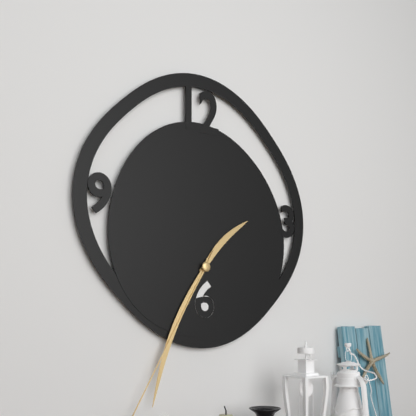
1:34
